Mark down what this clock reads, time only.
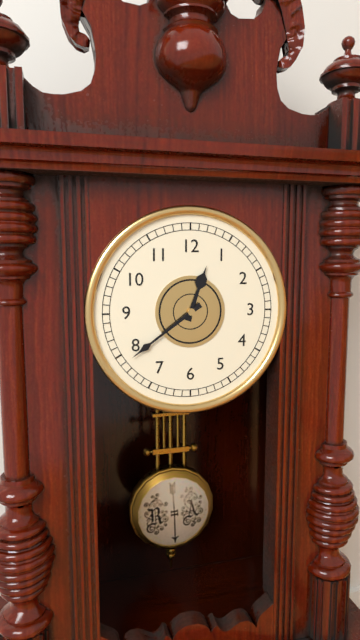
12:39
